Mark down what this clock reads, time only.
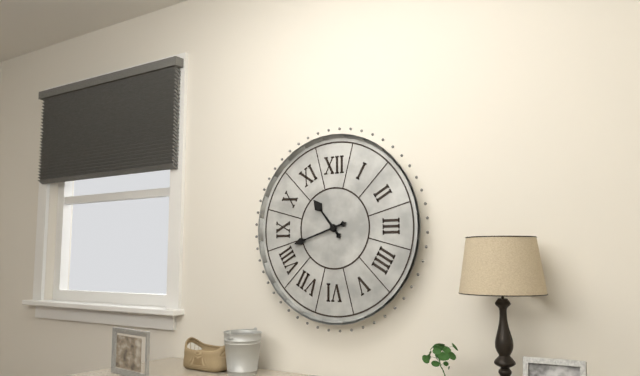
10:42
